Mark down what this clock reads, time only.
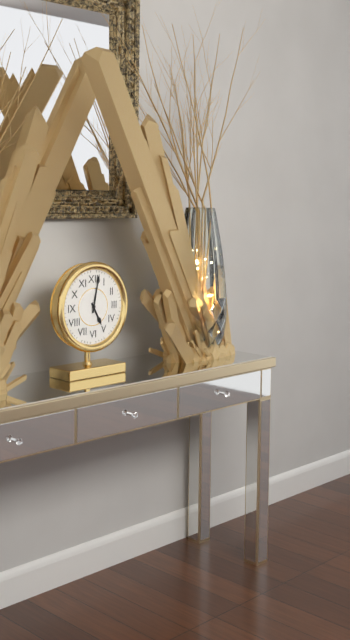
5:02
